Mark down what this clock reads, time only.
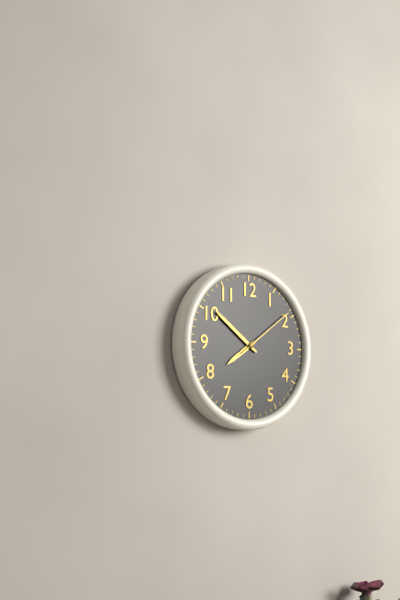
7:51:09
